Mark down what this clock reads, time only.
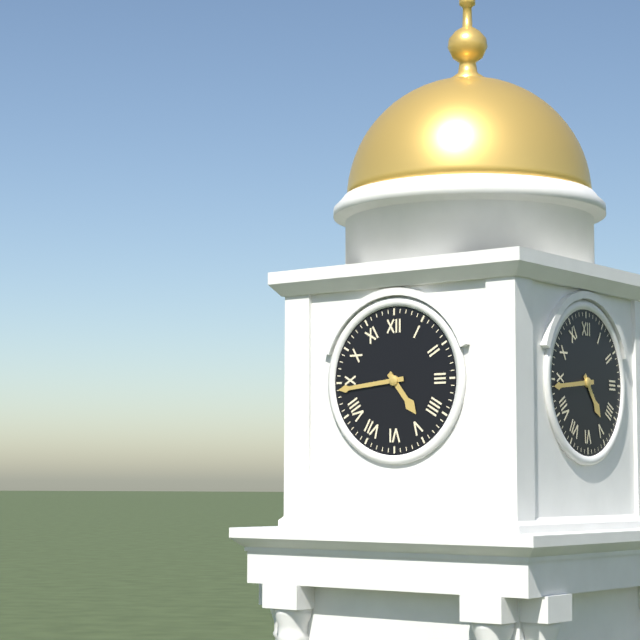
4:44
